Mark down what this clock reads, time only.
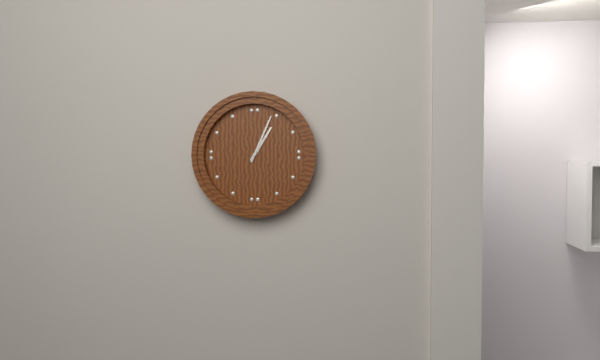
1:04
